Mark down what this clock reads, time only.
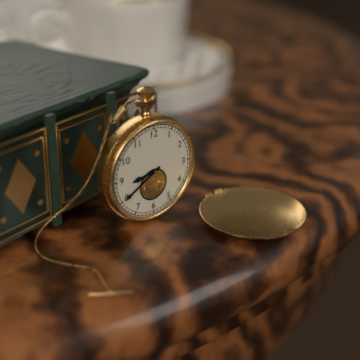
8:40
